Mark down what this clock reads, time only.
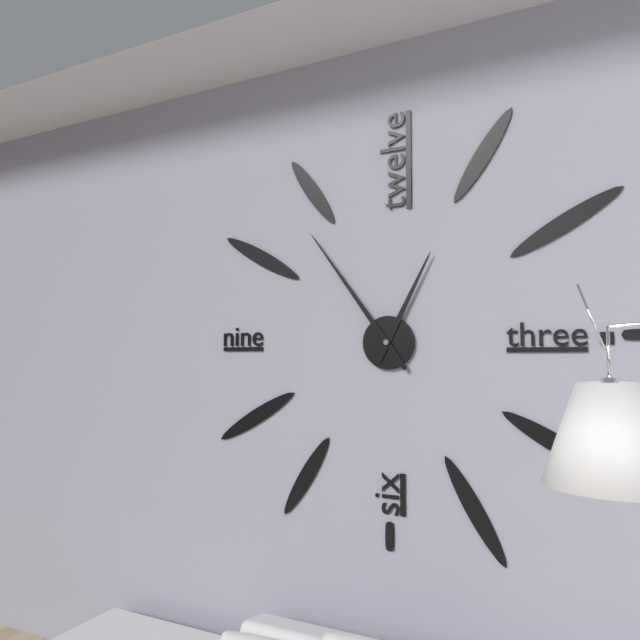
12:54
